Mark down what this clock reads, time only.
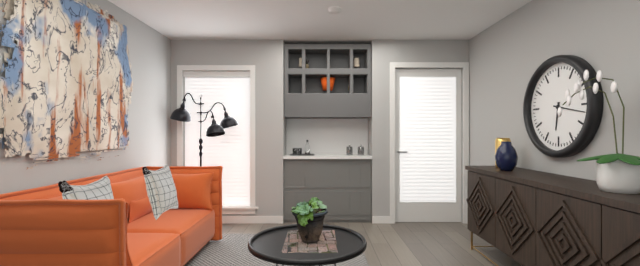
6:17
